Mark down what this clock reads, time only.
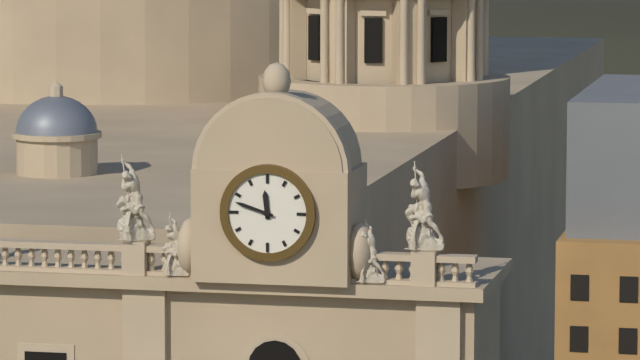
11:48
